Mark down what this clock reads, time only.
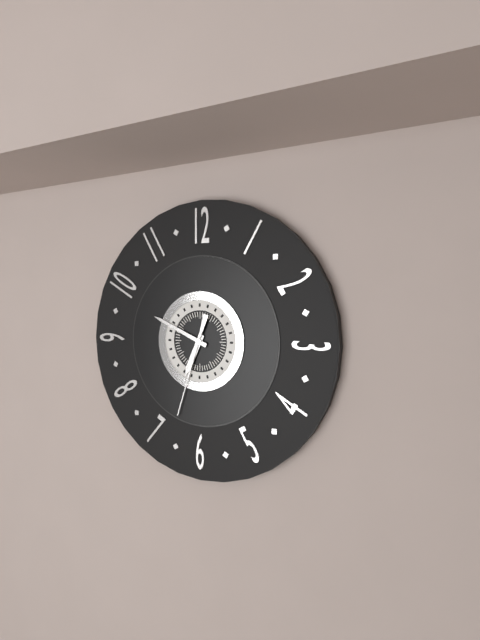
6:49:33
